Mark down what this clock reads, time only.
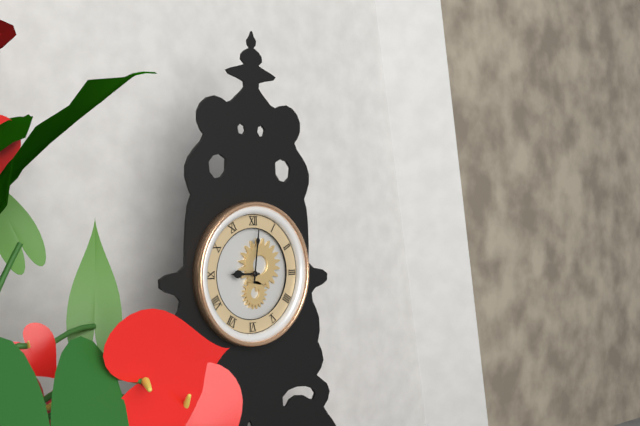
9:01
